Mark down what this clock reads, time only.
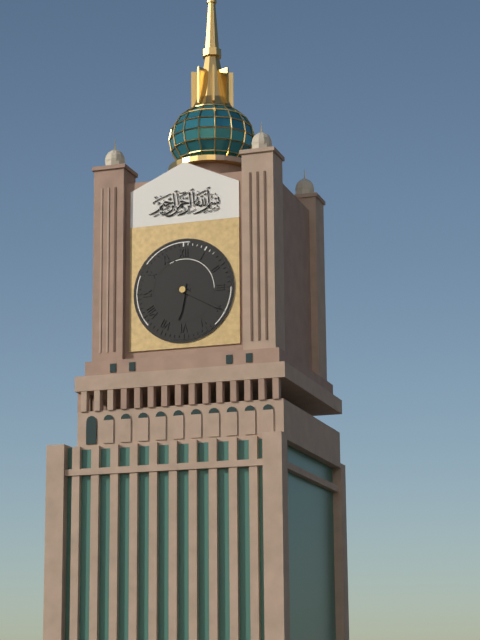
6:20
